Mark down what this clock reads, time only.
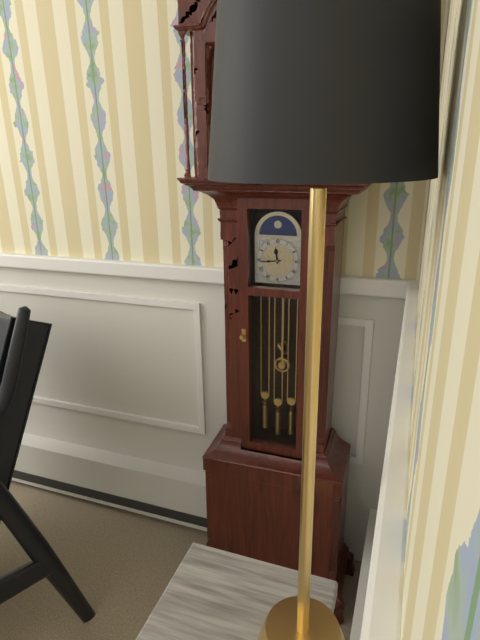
11:44
